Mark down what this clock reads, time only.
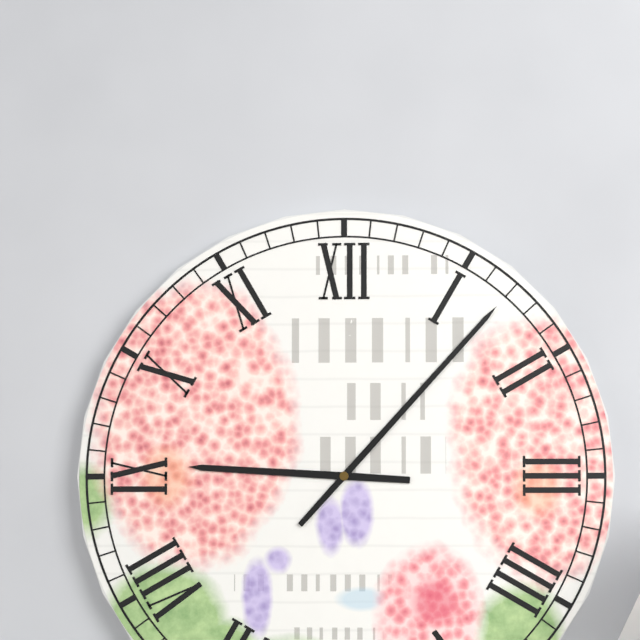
9:07
